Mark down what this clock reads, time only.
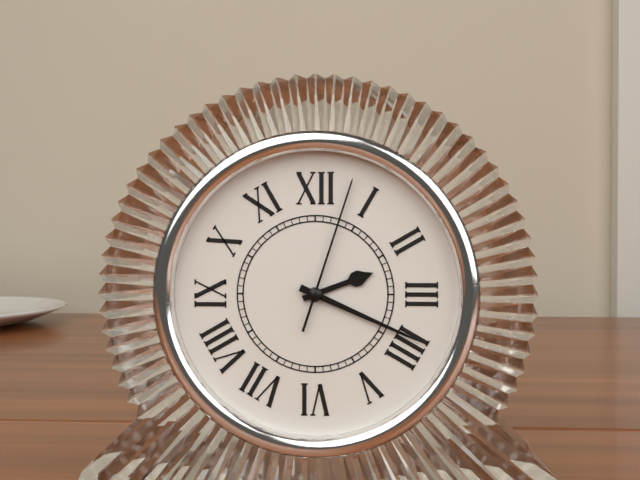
2:19:03
